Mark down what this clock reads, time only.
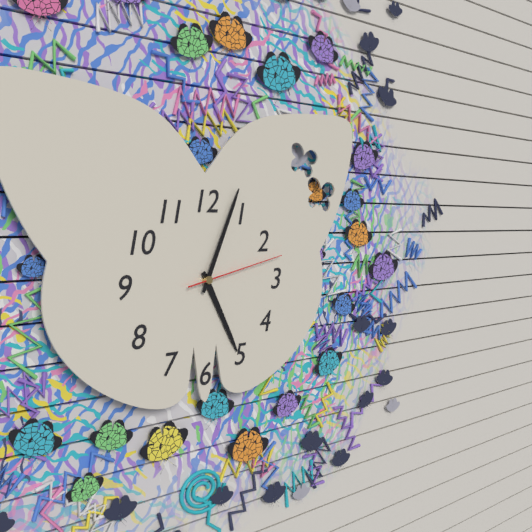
5:04:13
